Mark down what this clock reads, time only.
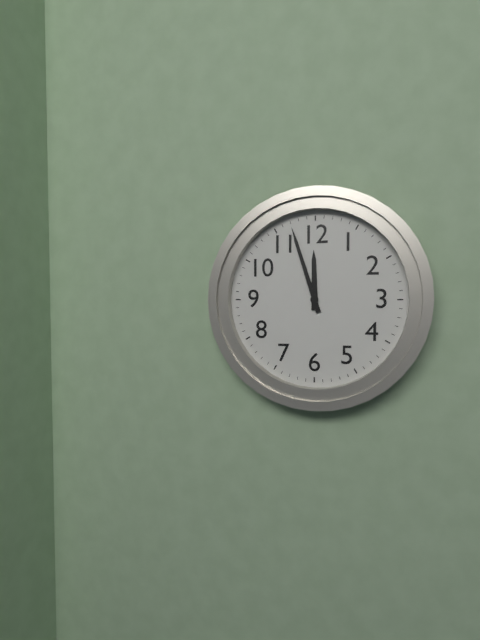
11:57
